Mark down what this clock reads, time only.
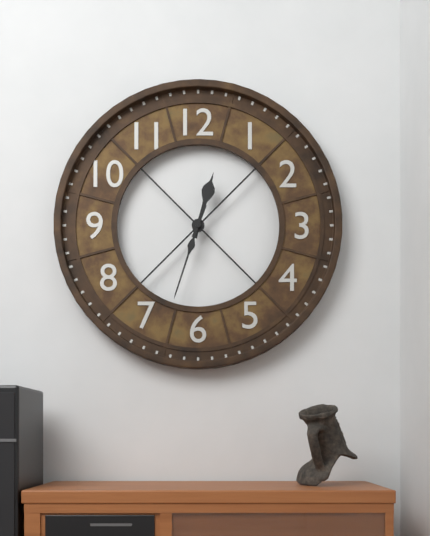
12:33
